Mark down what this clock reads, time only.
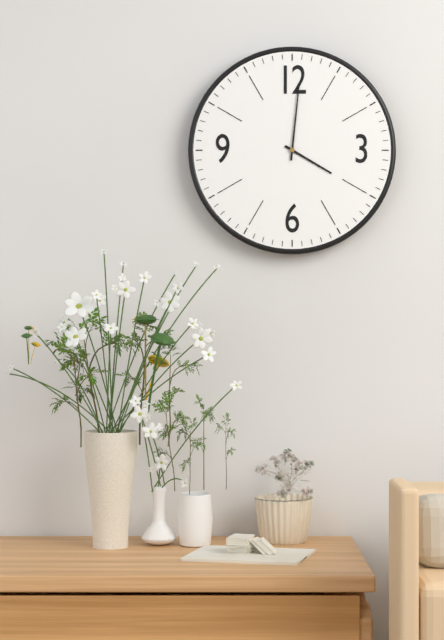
4:01
